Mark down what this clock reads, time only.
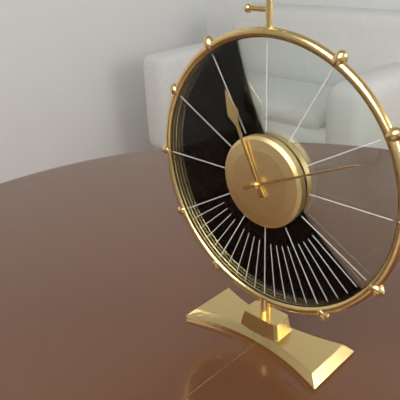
11:11
